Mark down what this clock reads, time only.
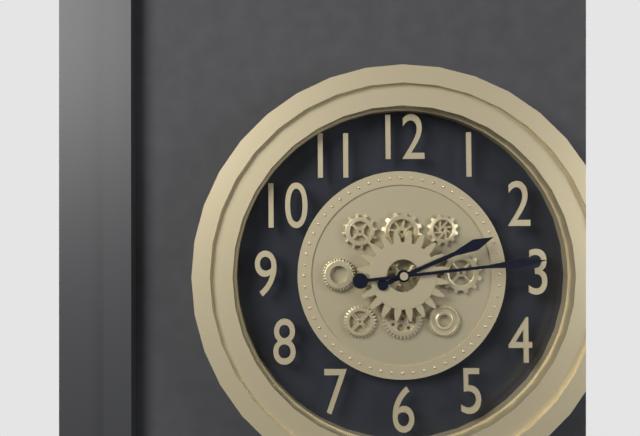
2:14
